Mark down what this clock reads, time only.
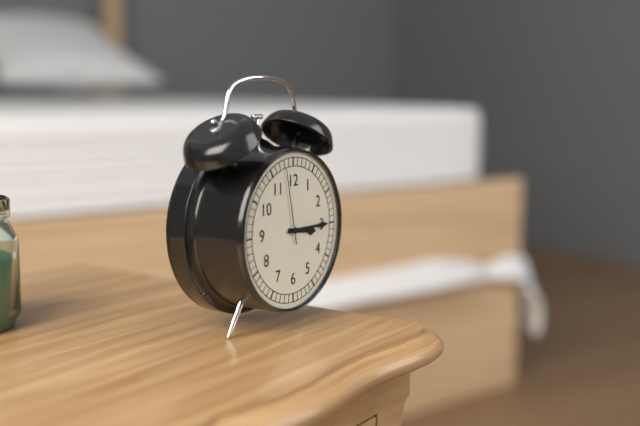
3:15:58
